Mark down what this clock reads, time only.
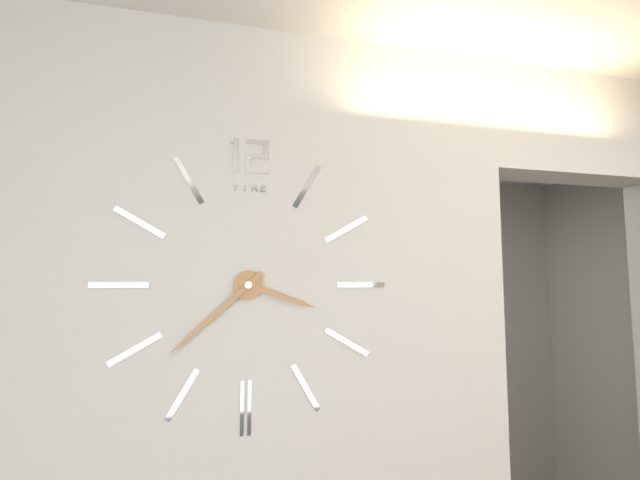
3:38
